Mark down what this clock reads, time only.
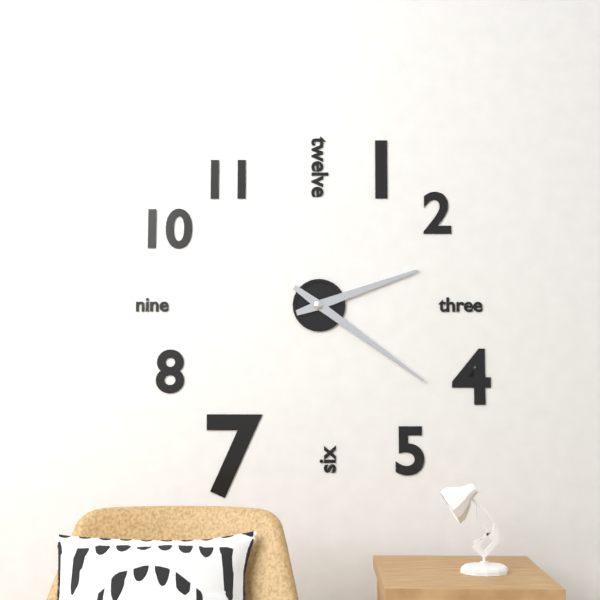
2:21
